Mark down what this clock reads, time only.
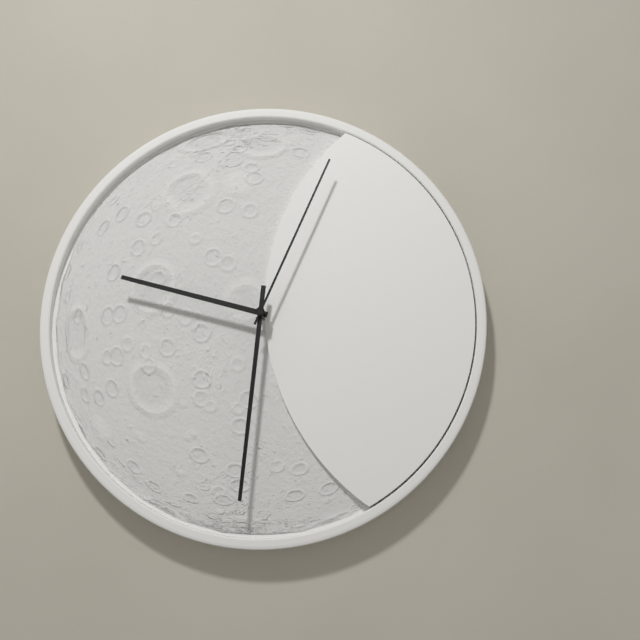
9:31:04
